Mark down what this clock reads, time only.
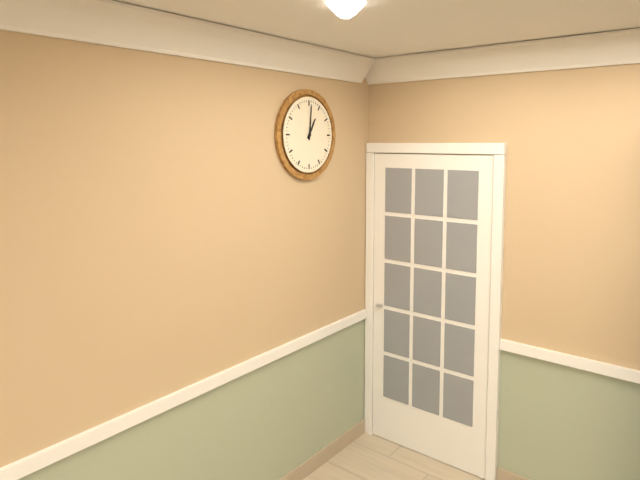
1:01
